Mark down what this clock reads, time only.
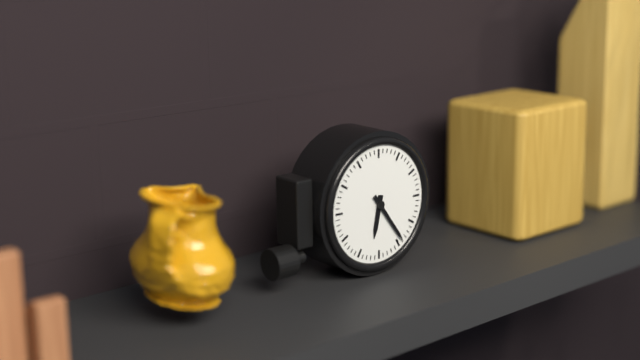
6:24
